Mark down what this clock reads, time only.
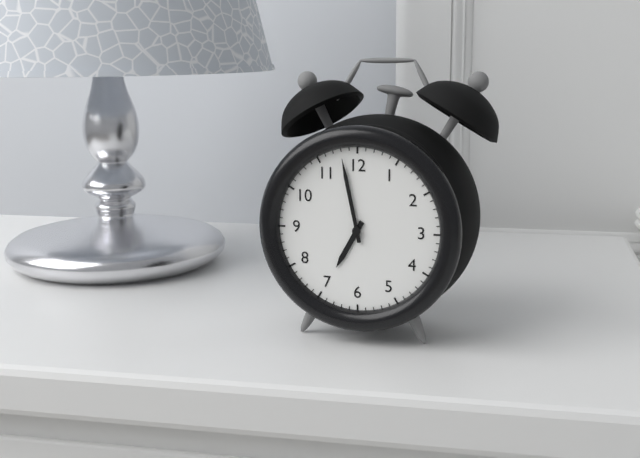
6:58
